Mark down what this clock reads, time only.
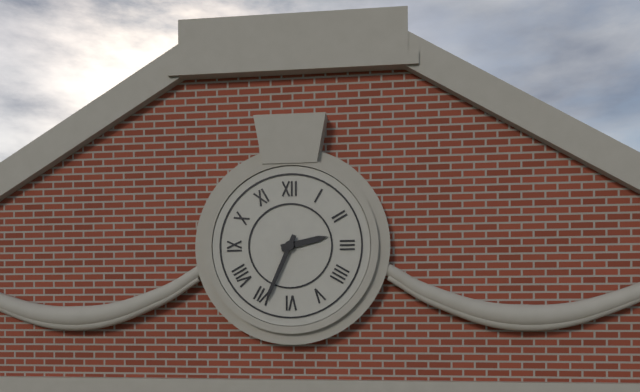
2:34
